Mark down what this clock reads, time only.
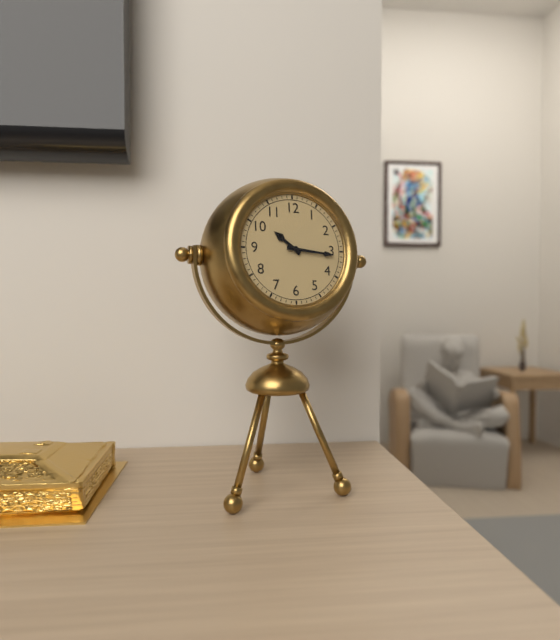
10:16
